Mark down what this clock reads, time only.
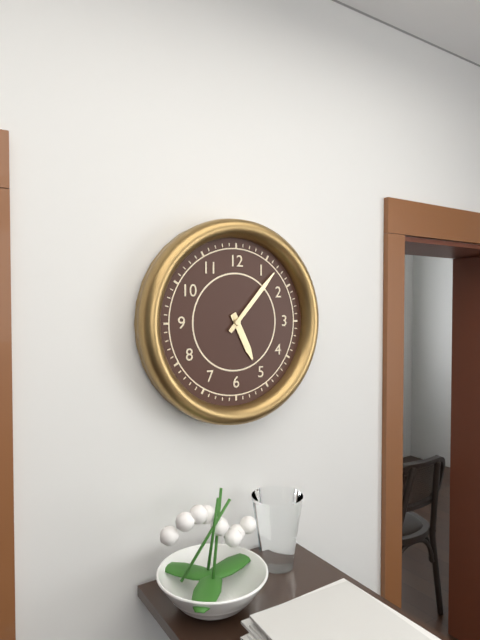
5:07
